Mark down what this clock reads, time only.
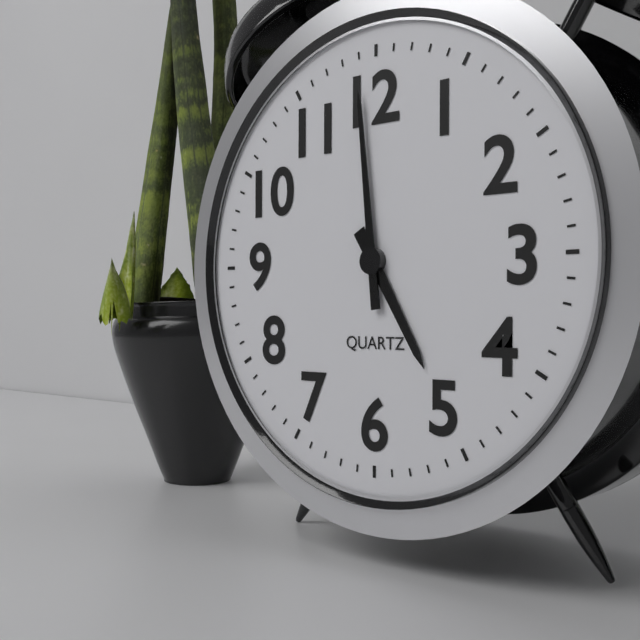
4:59
